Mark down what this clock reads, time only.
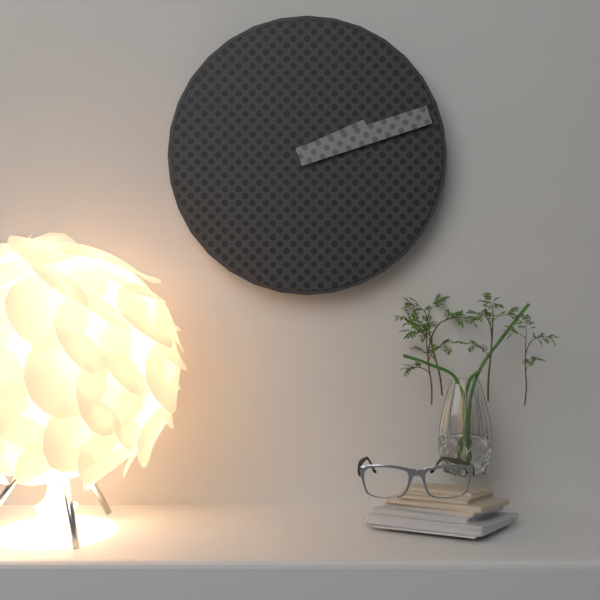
2:12
